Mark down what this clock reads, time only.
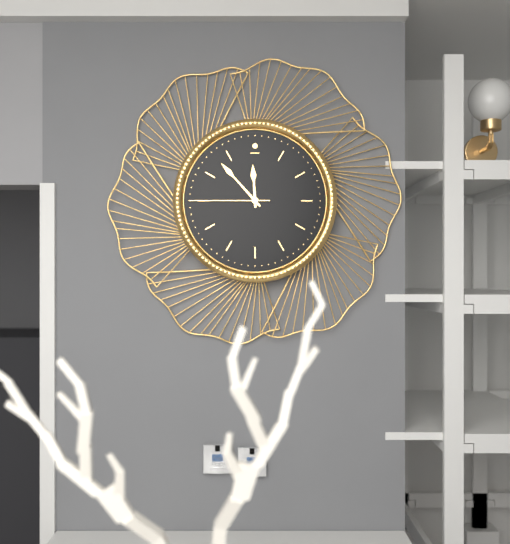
11:53:45
